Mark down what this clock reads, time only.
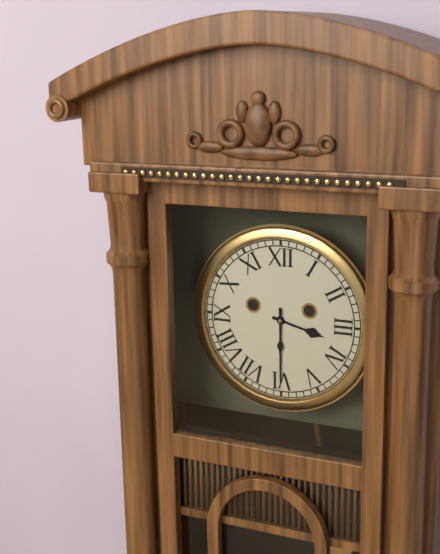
3:30
